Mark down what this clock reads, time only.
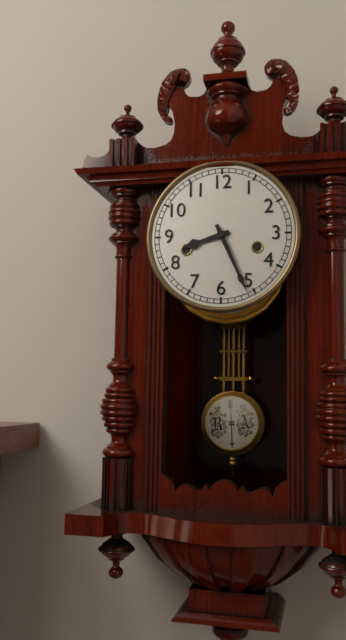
8:26
